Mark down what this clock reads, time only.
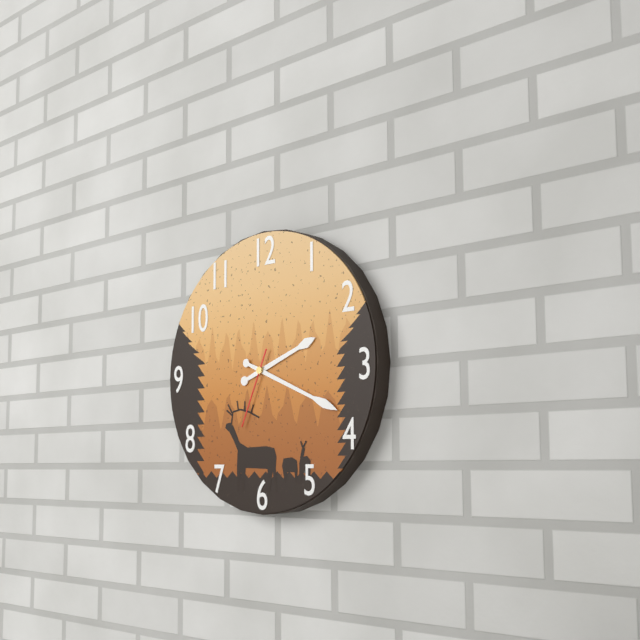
2:19:34
